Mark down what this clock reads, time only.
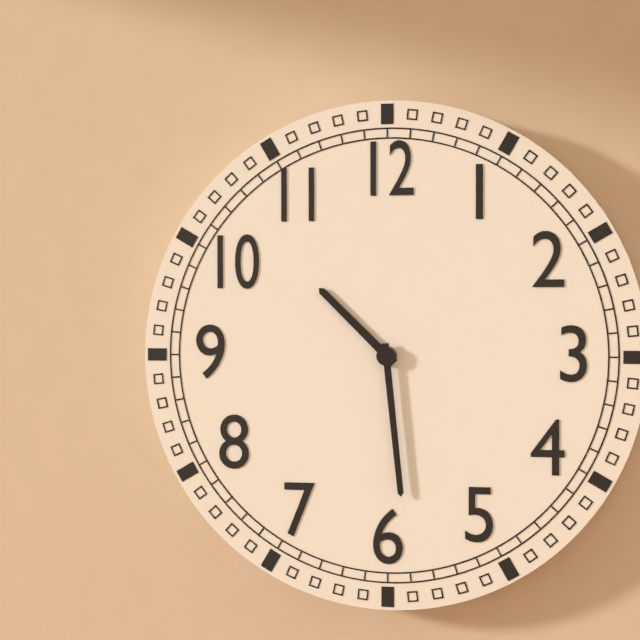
10:29
